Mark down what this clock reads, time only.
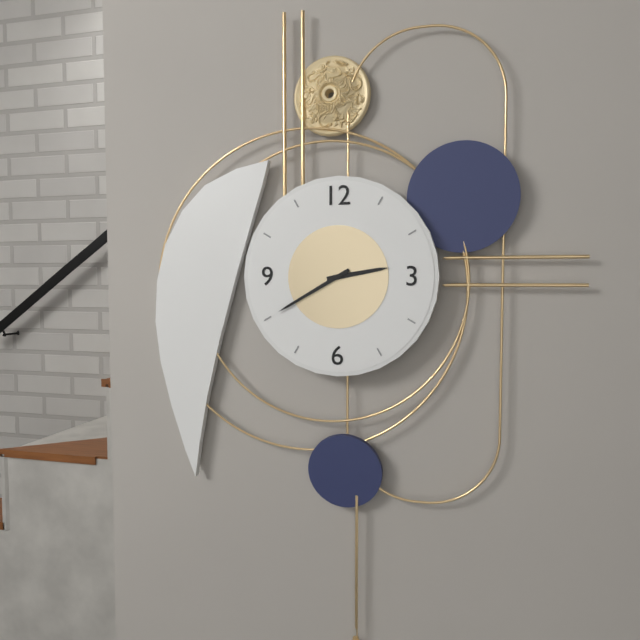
2:40
